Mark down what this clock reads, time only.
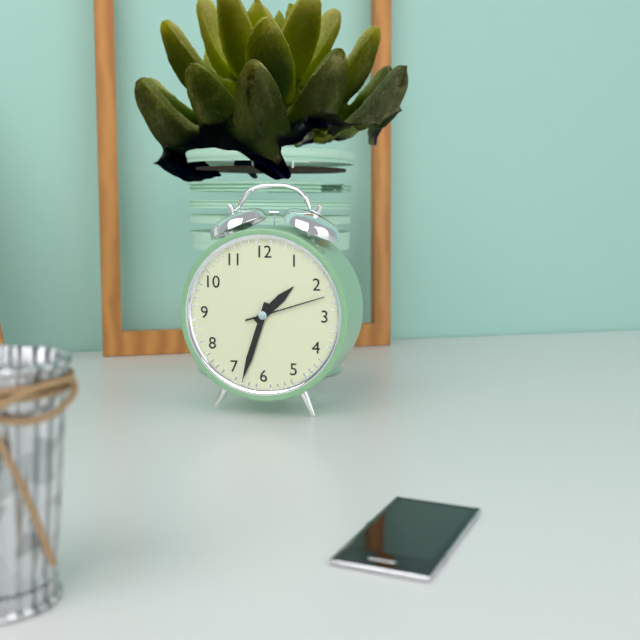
1:33:12
